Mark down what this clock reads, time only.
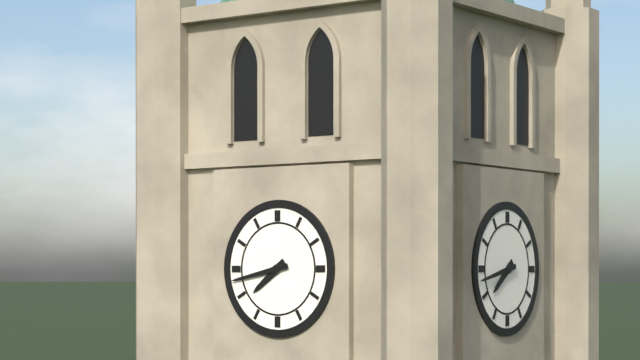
7:43
